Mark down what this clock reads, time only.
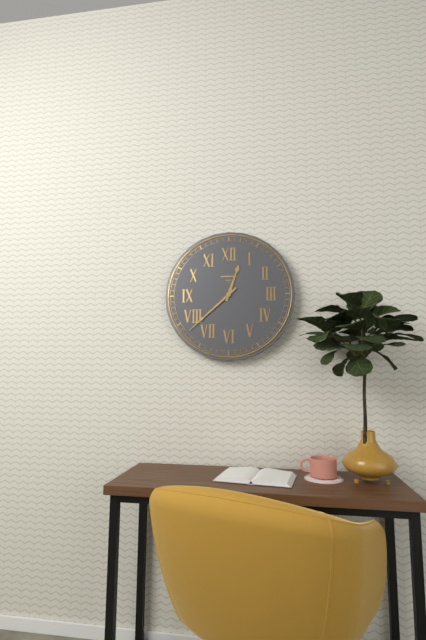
12:38
